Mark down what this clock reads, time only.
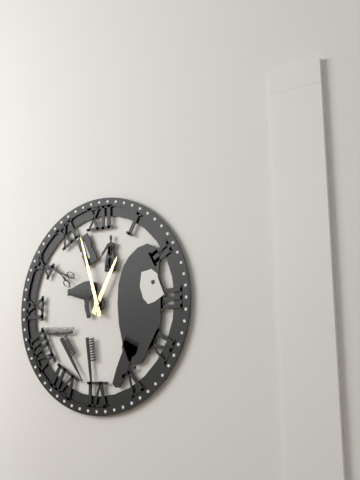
12:57
